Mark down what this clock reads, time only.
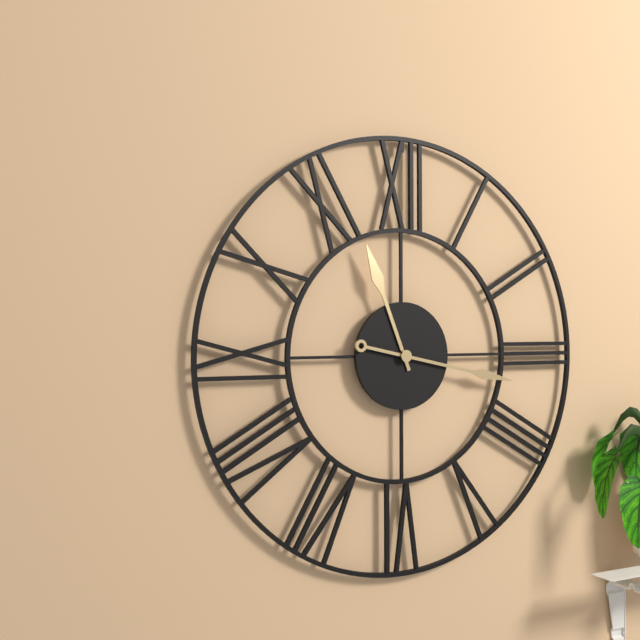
11:17
